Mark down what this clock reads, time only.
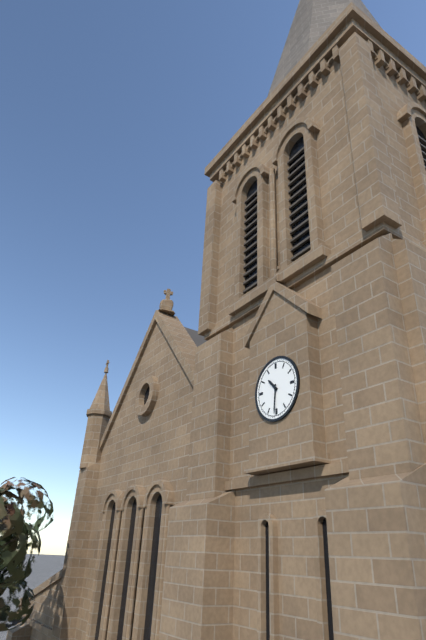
10:31
